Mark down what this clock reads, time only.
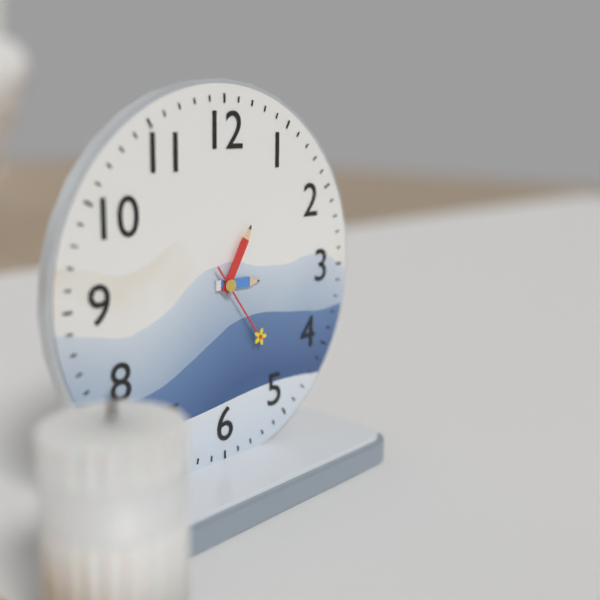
3:05:24
